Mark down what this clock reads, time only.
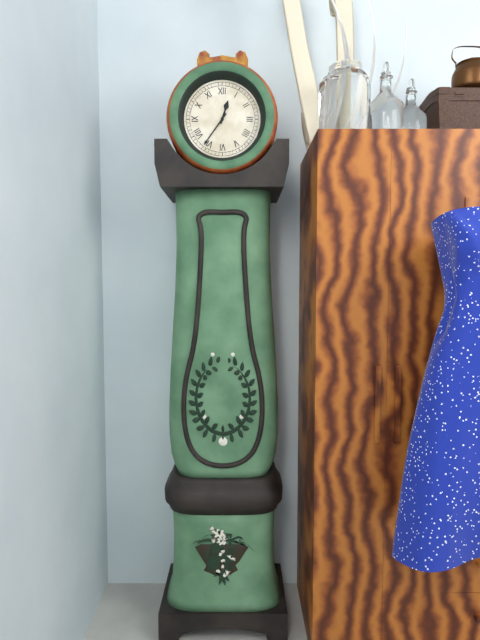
12:36
